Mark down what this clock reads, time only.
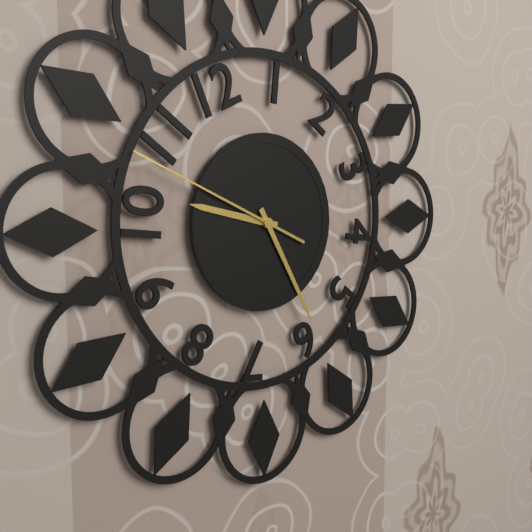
9:25:49
